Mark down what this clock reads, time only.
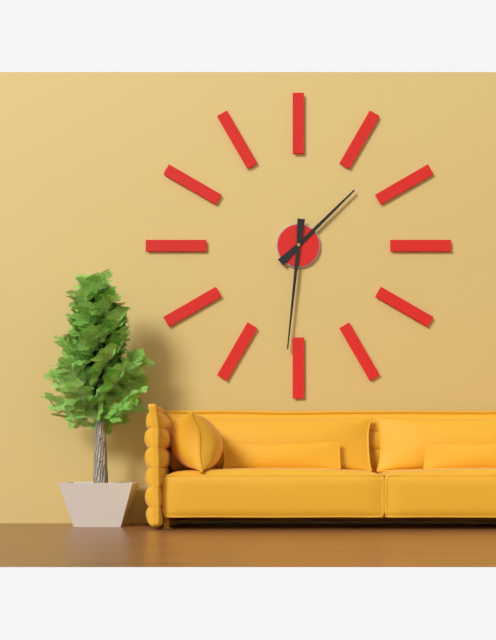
1:31
